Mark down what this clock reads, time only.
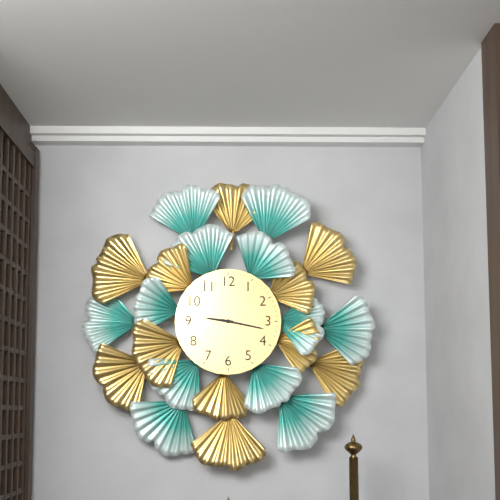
9:17
